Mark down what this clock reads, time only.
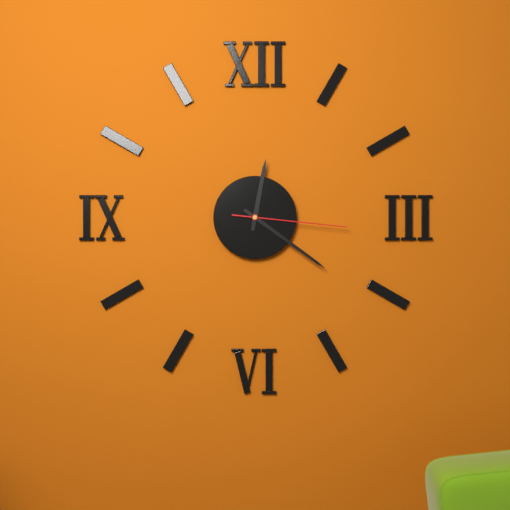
12:21:16
